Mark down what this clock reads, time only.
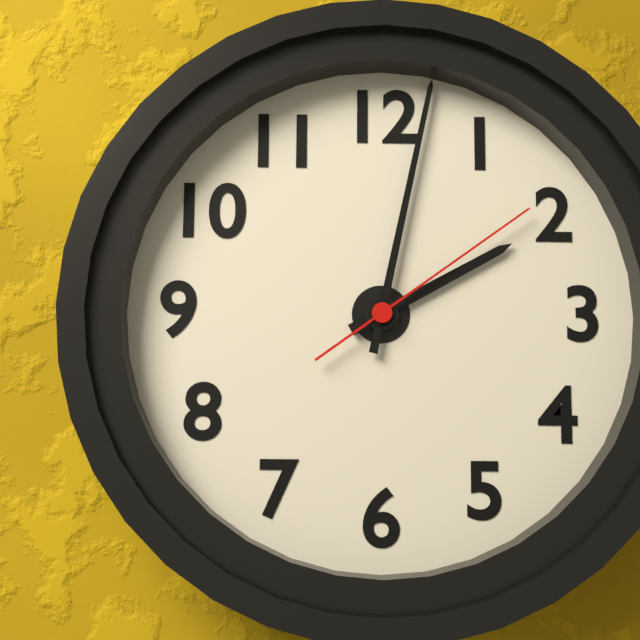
2:02:09
